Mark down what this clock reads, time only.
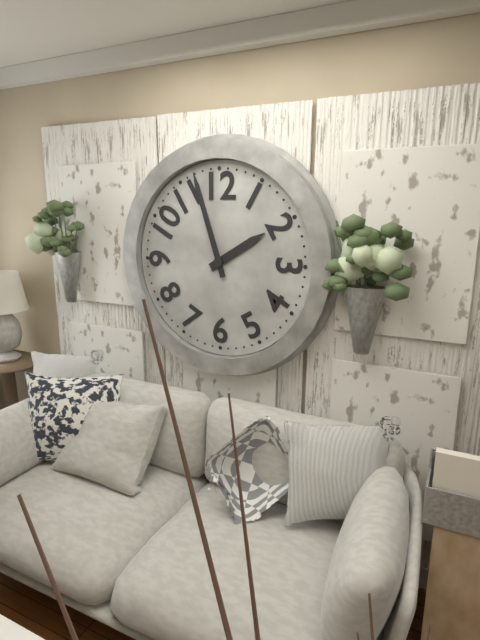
1:57
